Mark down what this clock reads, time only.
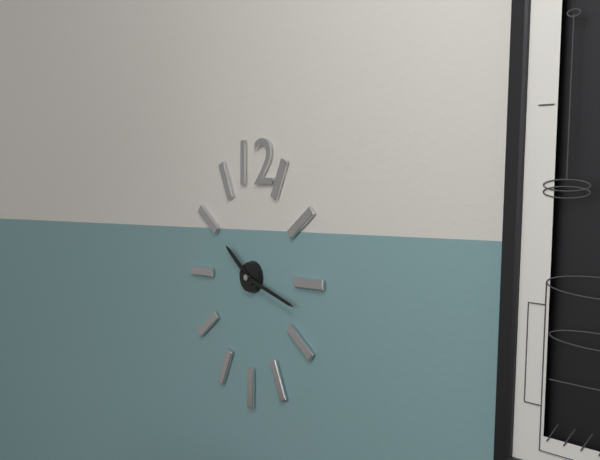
10:18
